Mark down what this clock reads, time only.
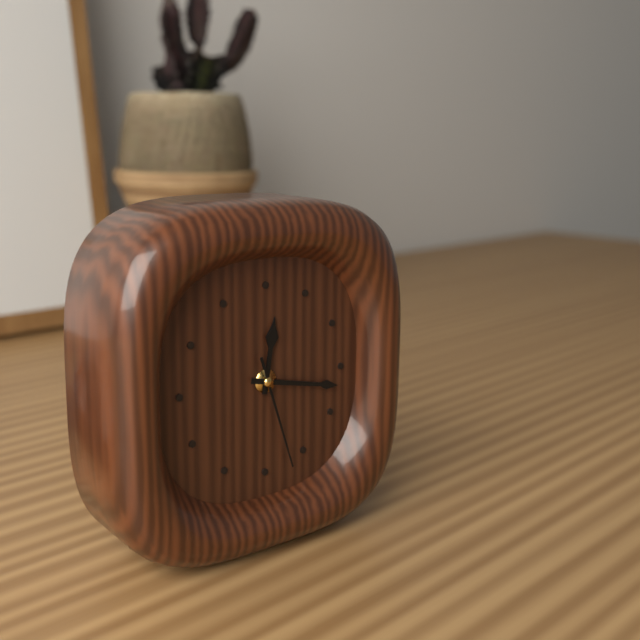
12:17:27
